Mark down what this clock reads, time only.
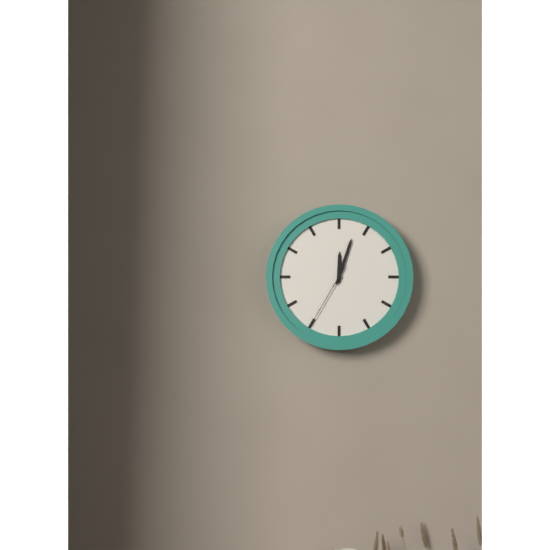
12:03:35
